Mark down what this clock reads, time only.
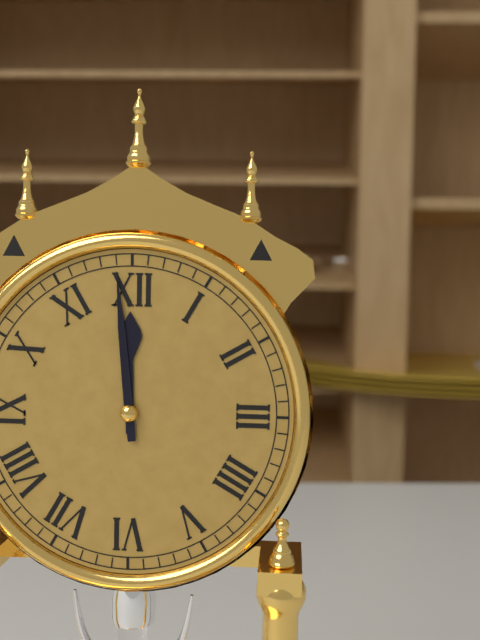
11:59
